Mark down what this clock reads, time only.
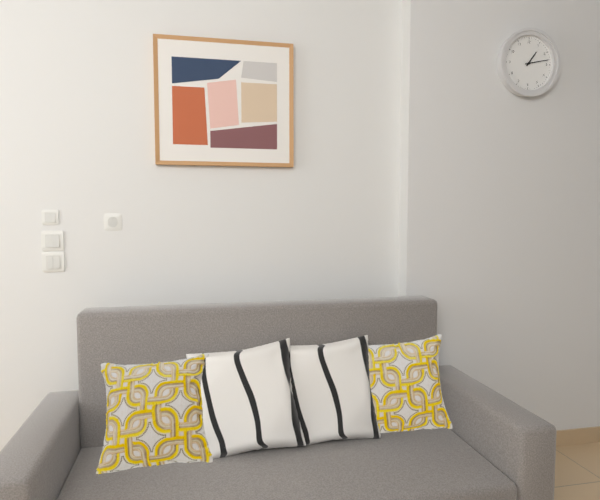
1:13
